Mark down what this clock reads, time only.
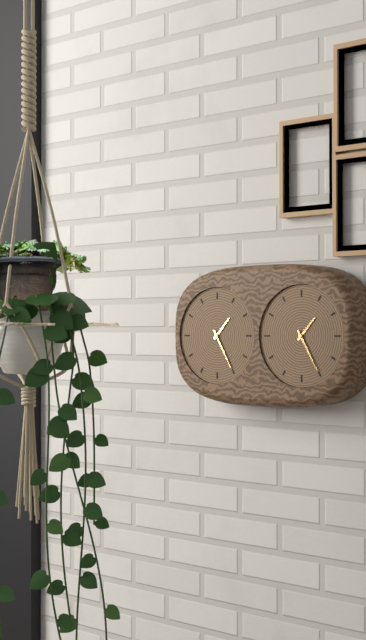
1:25
